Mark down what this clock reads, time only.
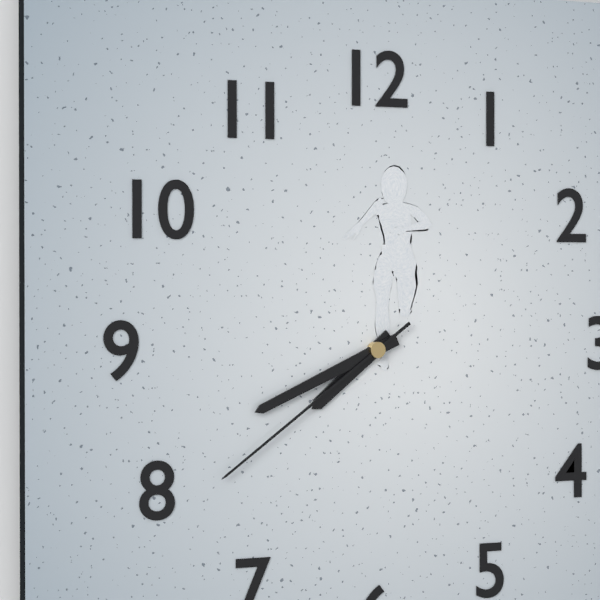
7:41:39
